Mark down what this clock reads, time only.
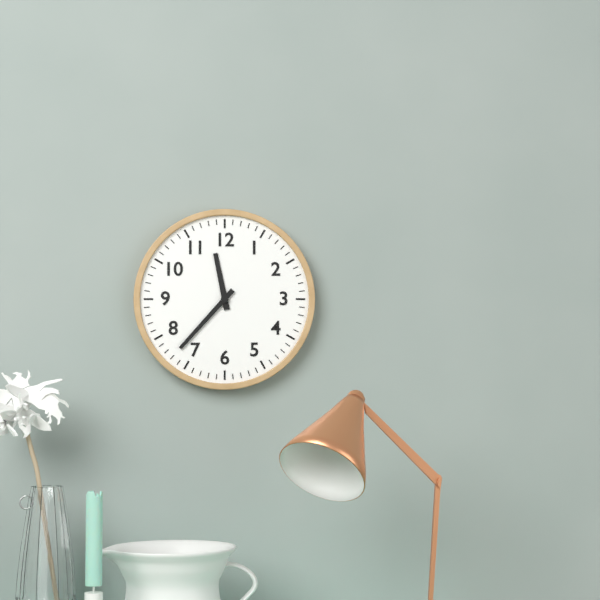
11:37
